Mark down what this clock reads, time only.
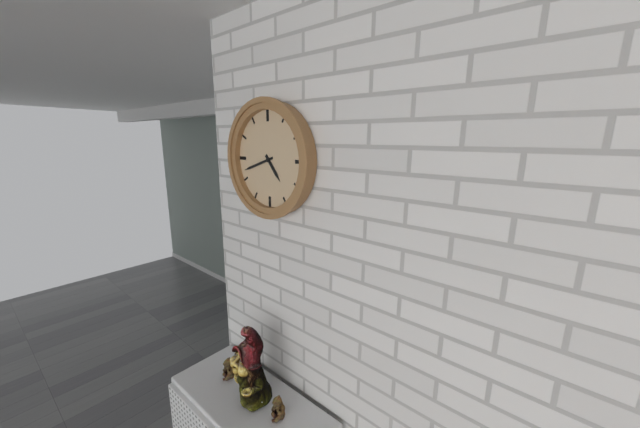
4:42
